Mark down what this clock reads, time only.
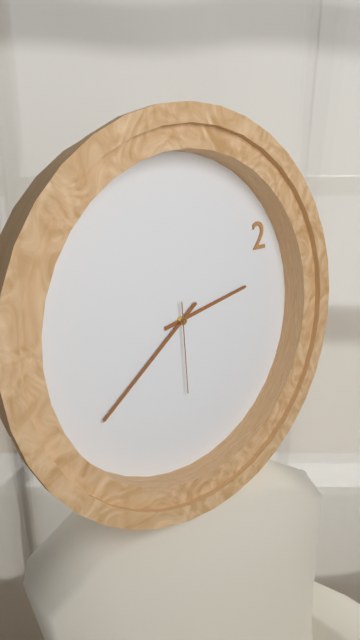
2:39:30
